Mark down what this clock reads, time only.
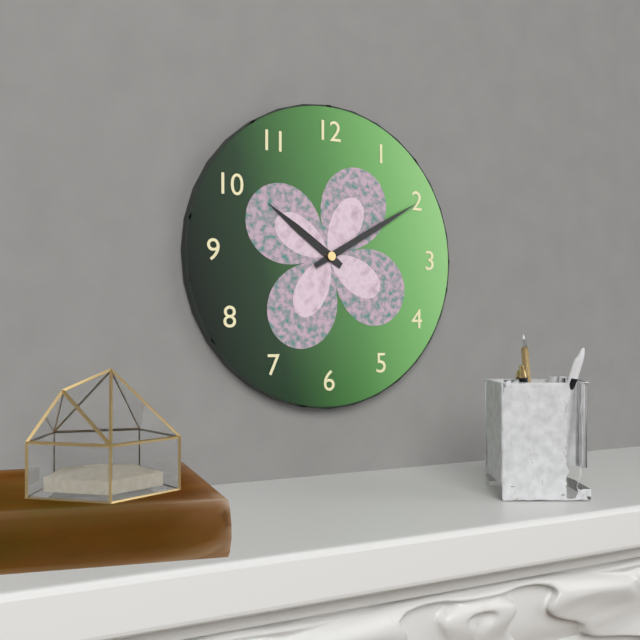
10:10
